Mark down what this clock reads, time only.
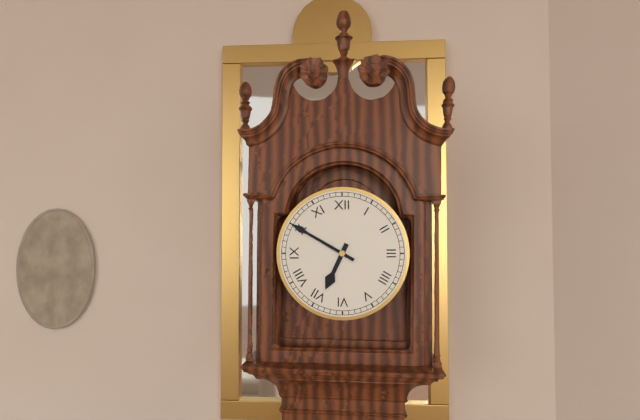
6:50
